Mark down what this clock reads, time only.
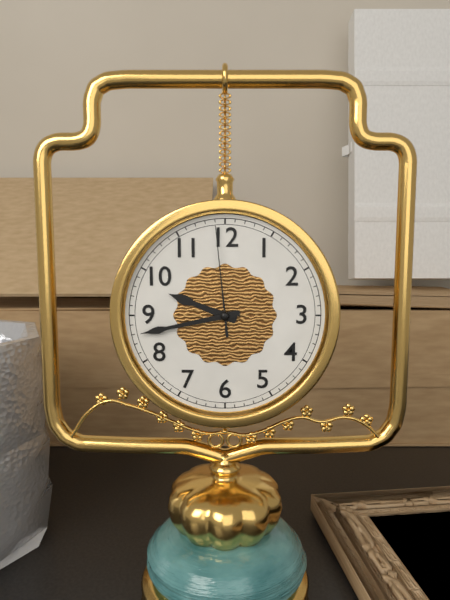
9:43:59
